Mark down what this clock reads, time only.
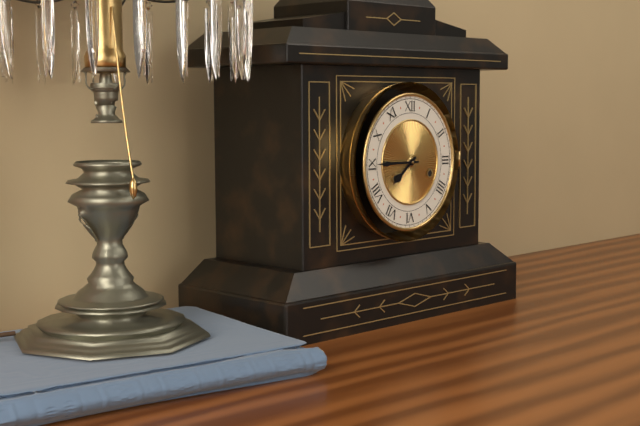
7:45
